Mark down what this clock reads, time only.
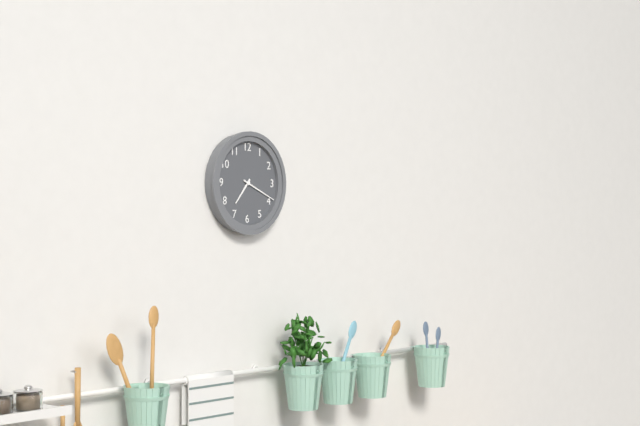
7:19
